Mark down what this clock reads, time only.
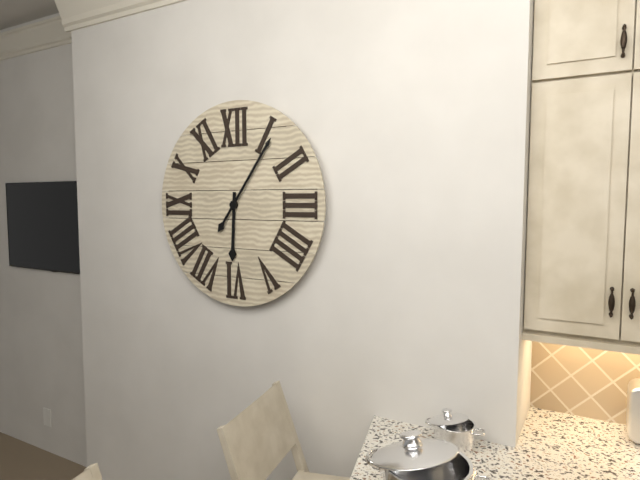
6:06
